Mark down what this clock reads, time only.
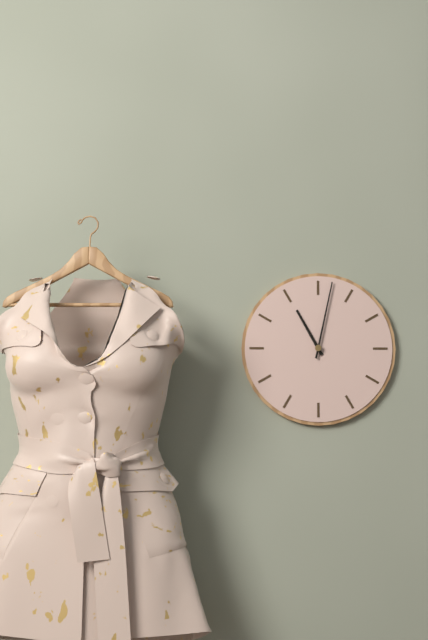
11:02
